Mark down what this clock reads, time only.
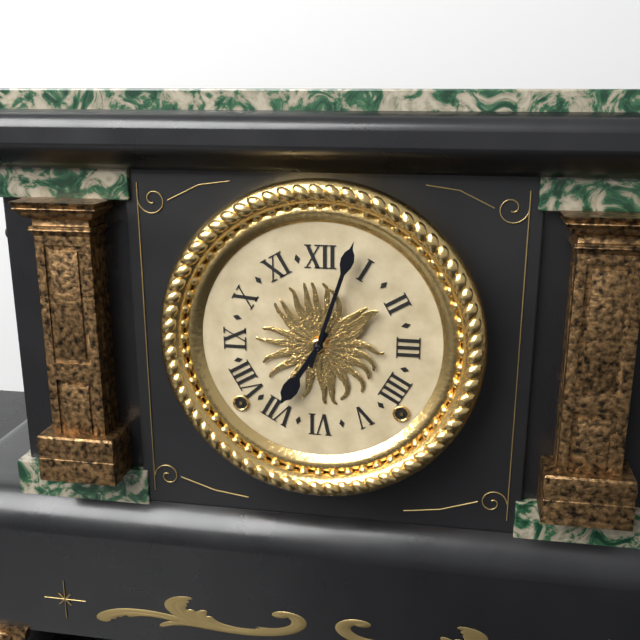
7:03
